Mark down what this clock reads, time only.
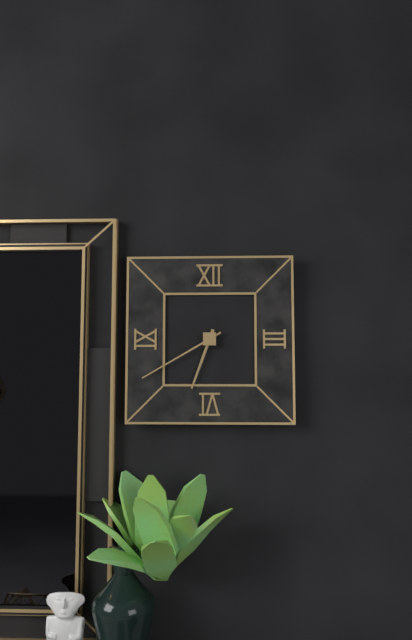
6:40
